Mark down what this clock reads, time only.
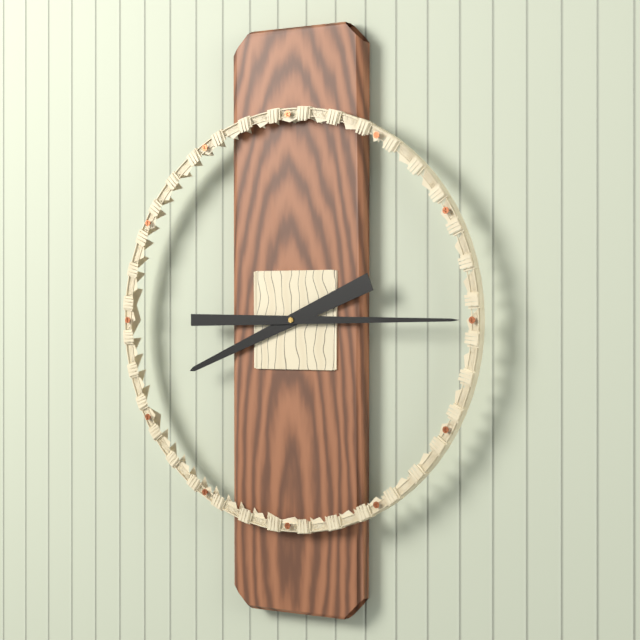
8:15
